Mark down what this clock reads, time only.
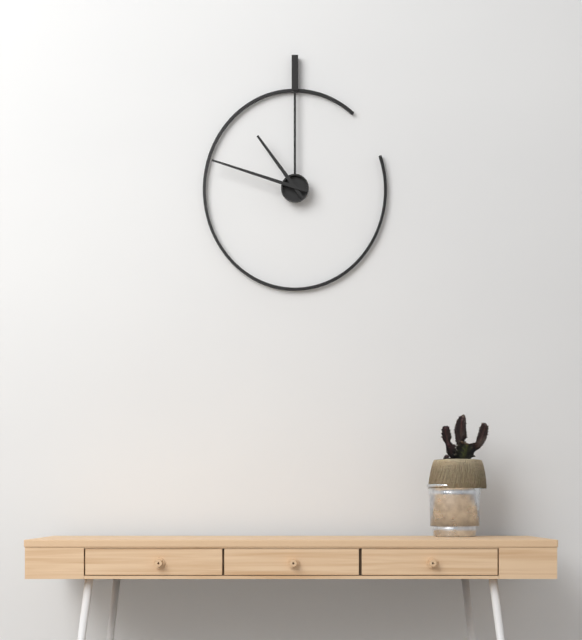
10:48
